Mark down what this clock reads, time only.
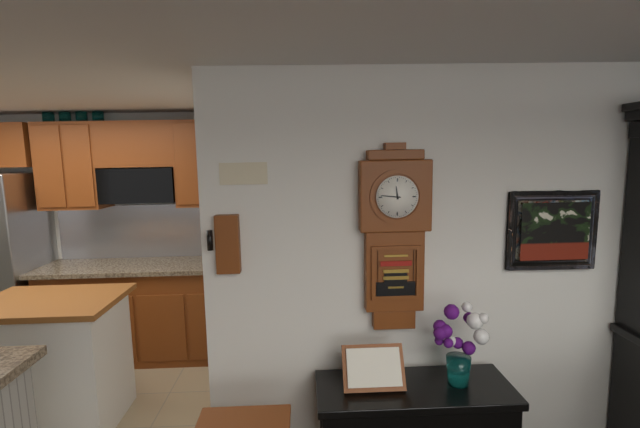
11:46
